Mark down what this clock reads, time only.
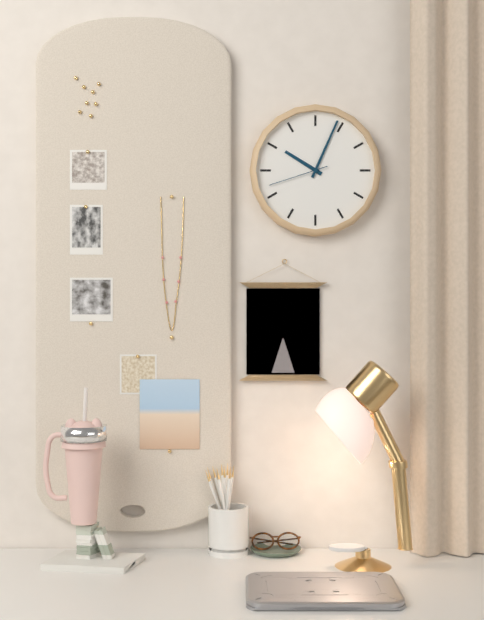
10:04:42
